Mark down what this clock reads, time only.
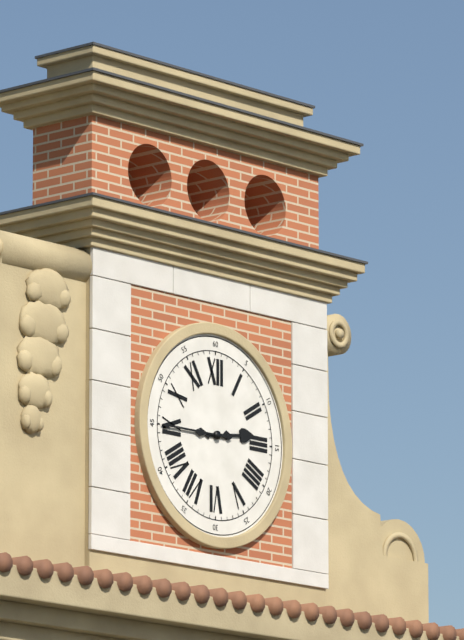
2:45
